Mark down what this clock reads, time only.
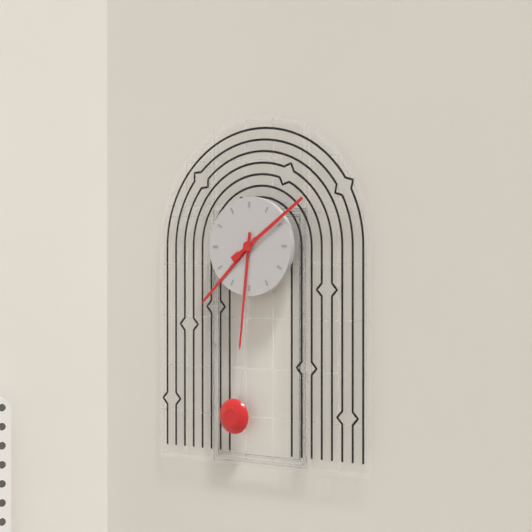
7:31:09
